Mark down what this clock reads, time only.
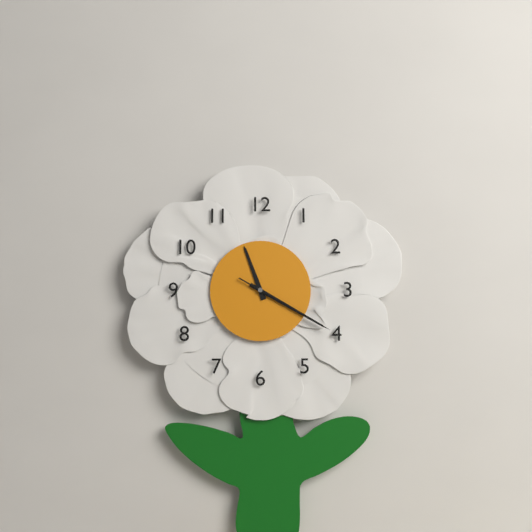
11:20:20
